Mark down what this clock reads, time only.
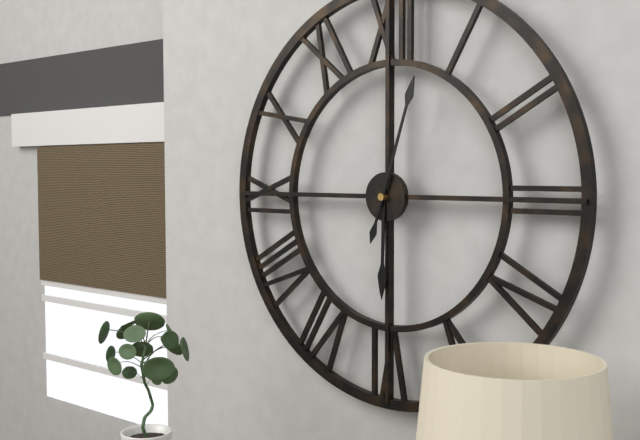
6:03
